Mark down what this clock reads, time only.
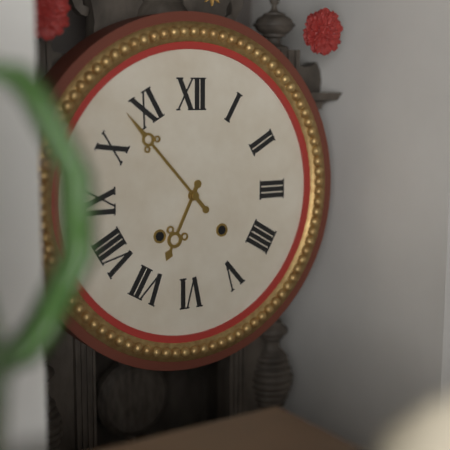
6:53
